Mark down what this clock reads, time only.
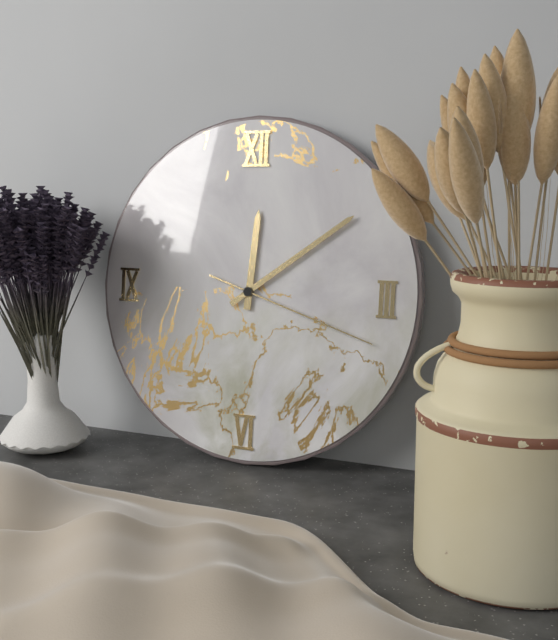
12:09:18
